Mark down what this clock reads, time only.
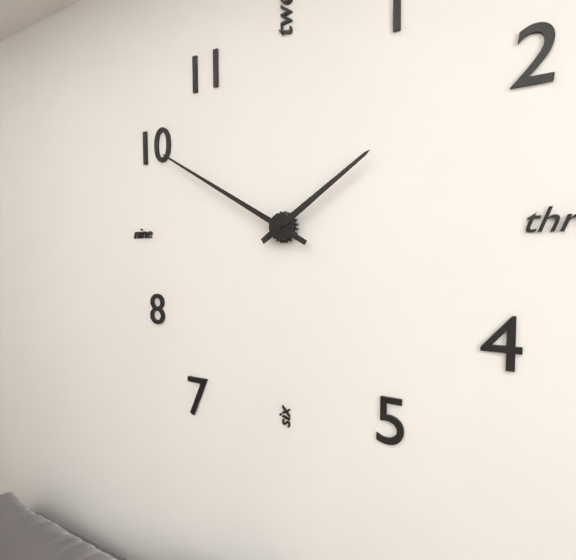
1:50
